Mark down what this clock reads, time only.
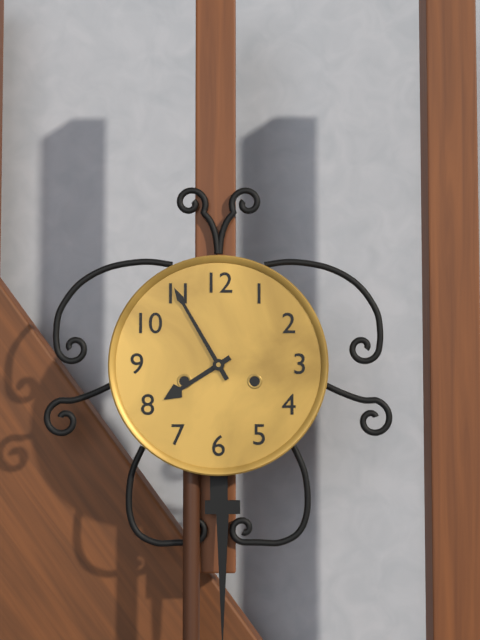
7:55
